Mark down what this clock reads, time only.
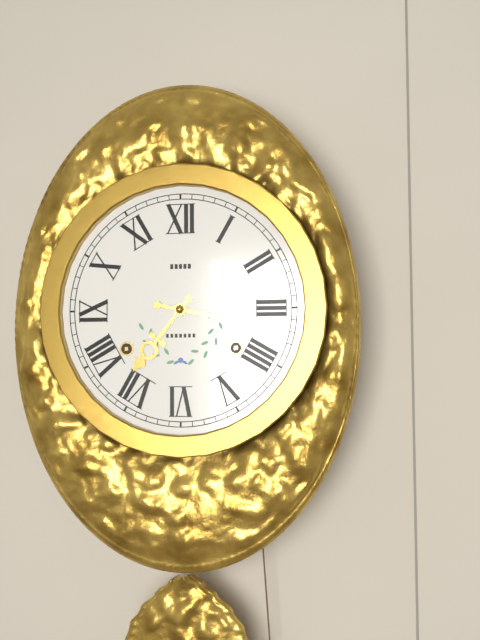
7:17
